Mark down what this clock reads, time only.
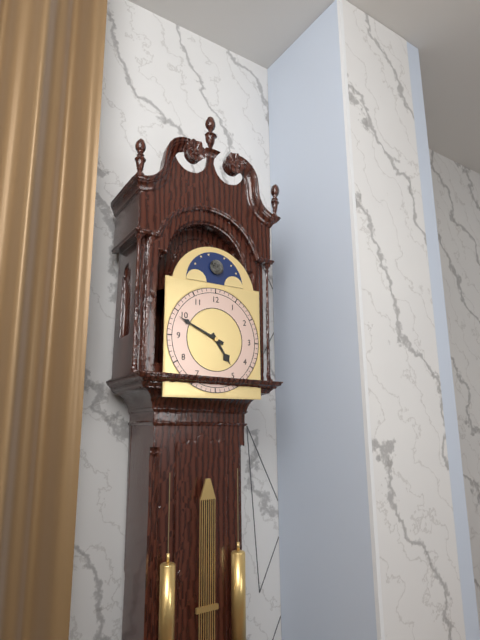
4:49
